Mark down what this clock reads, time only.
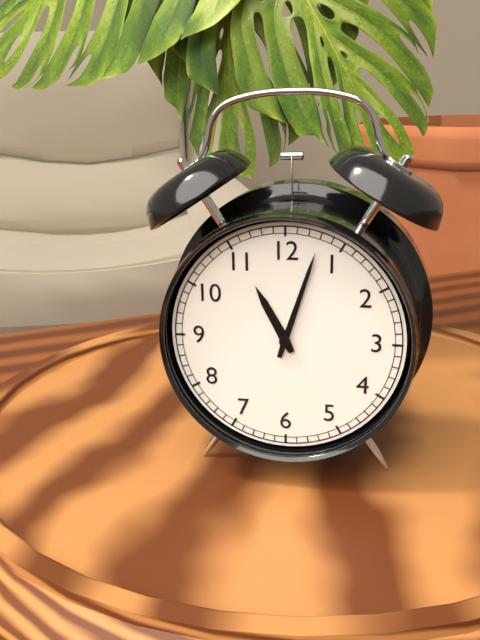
11:03
